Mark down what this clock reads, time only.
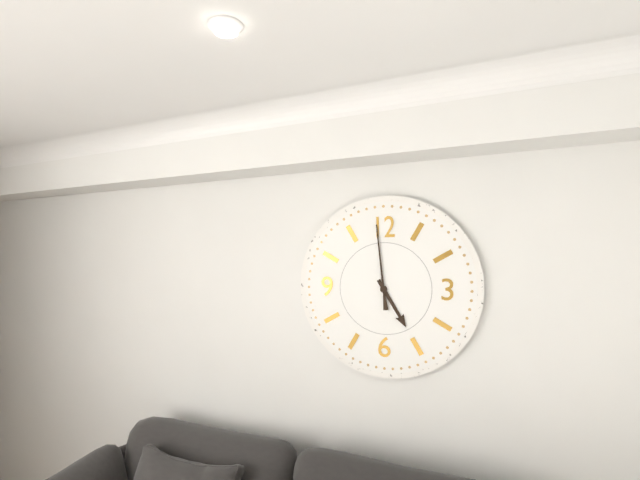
4:59
